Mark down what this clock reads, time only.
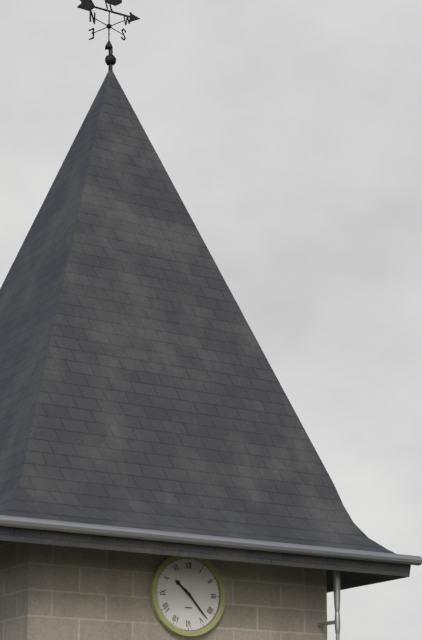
10:23
